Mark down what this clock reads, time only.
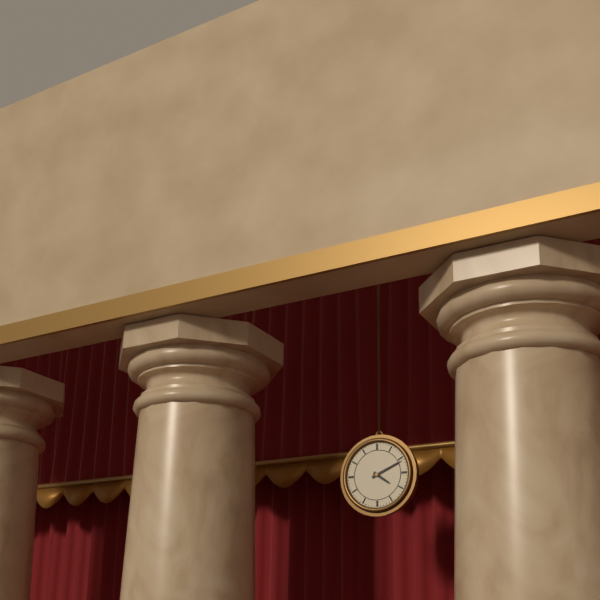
4:11
